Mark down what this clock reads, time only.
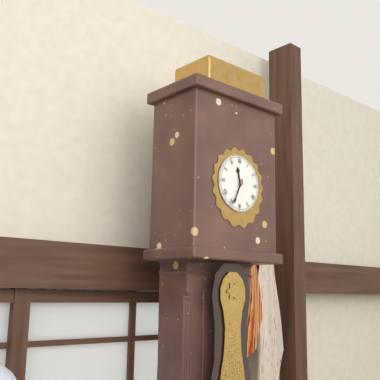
11:34
